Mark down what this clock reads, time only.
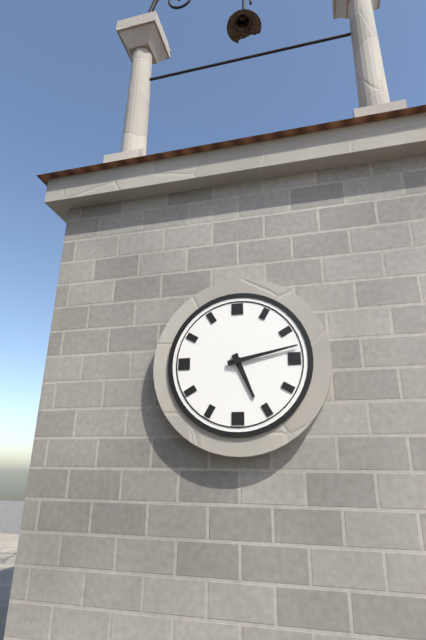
5:13
